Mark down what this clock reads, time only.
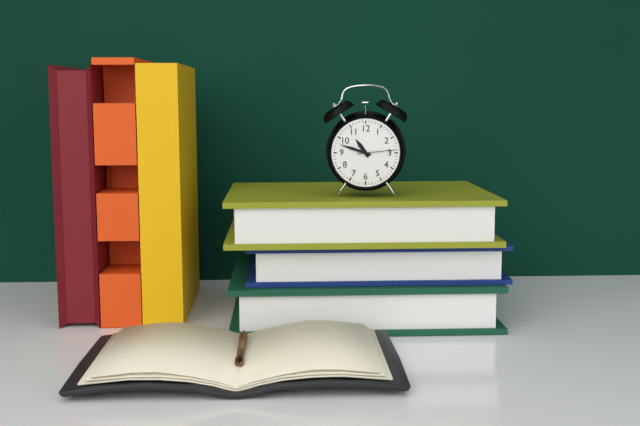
10:48
